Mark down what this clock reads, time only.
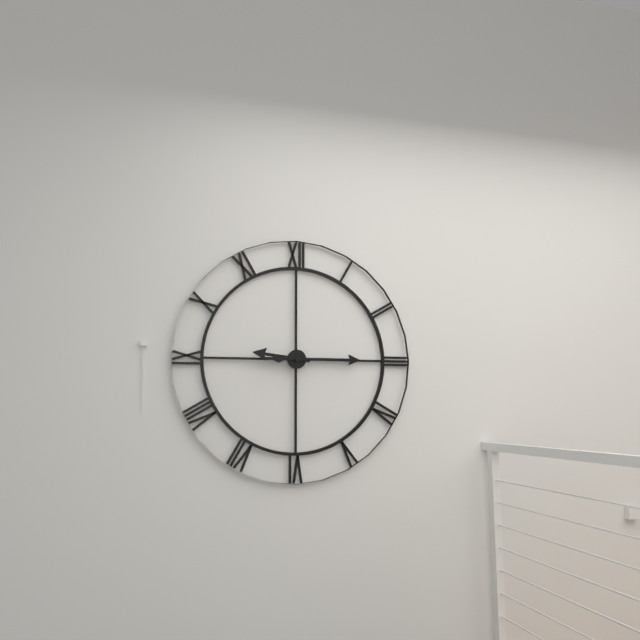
9:15
